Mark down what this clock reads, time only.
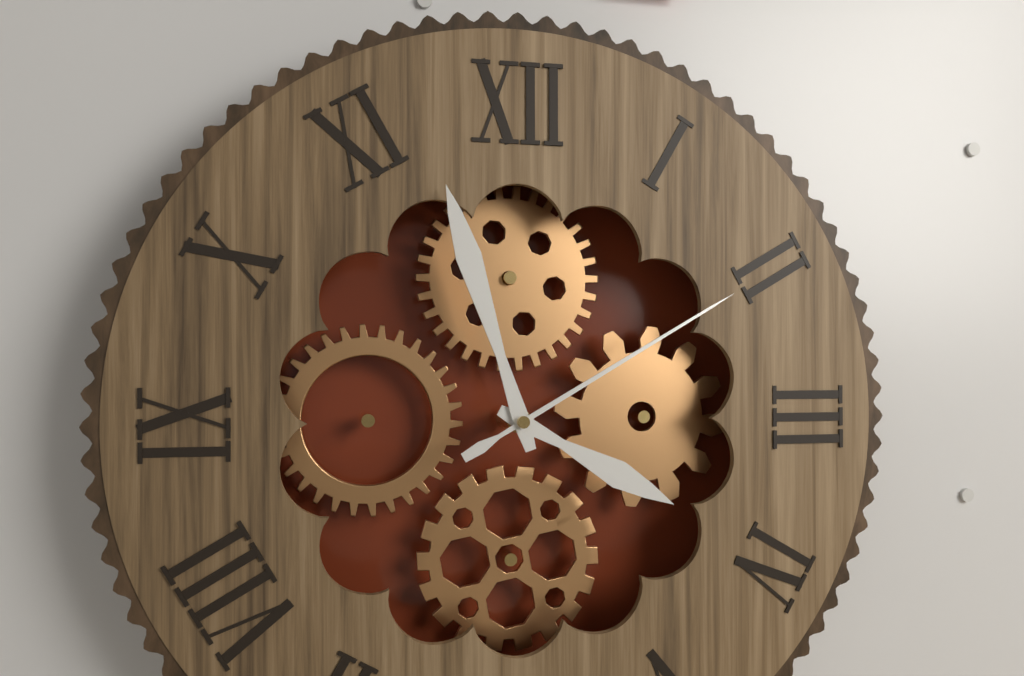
3:57:10
